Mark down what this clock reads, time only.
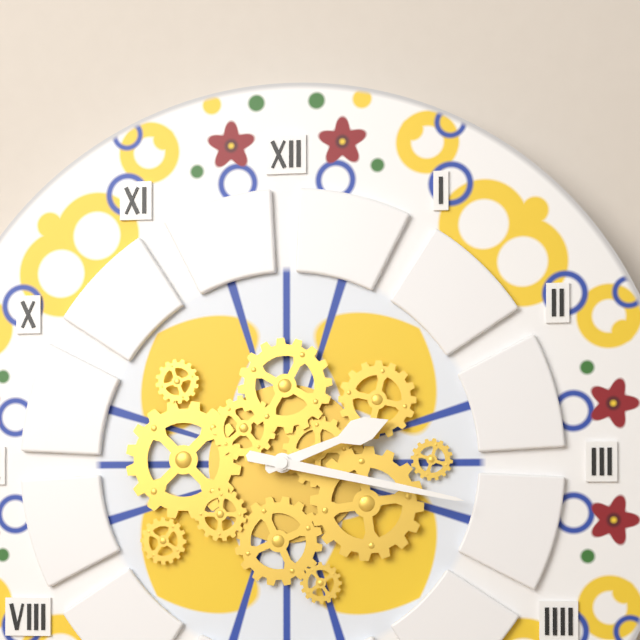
2:17
